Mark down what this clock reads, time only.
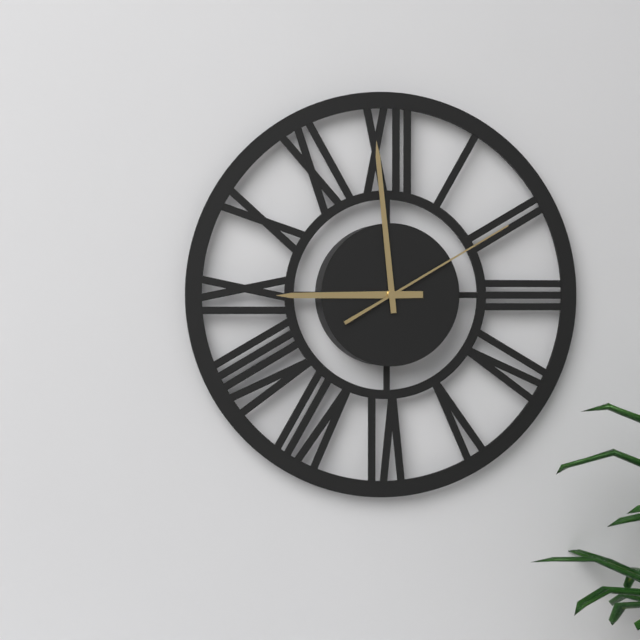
8:59:10
